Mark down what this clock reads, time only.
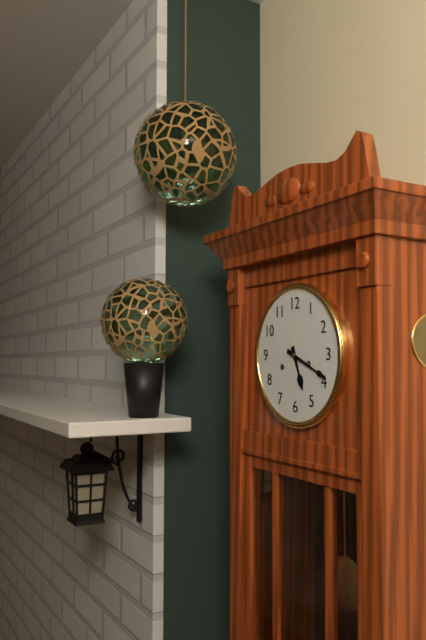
5:19
